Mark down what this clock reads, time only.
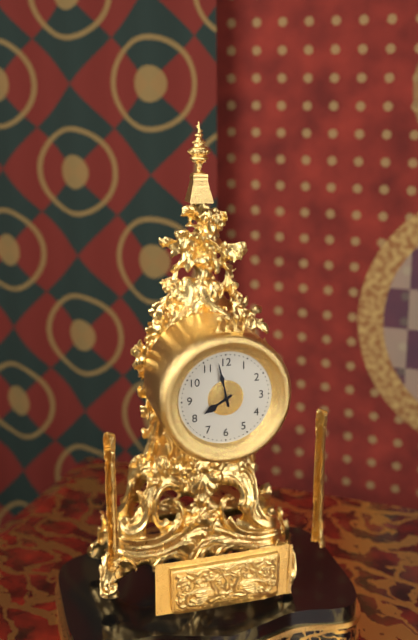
7:58
